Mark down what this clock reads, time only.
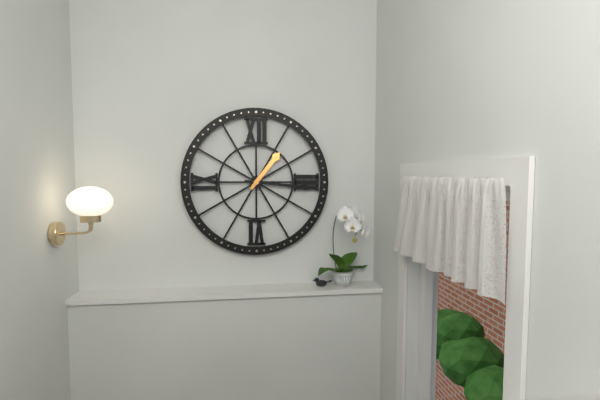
1:16
